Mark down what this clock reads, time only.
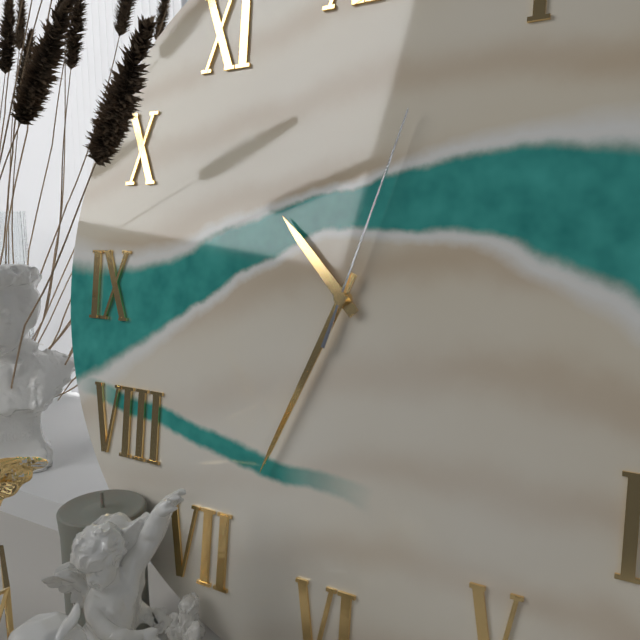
10:34:03
